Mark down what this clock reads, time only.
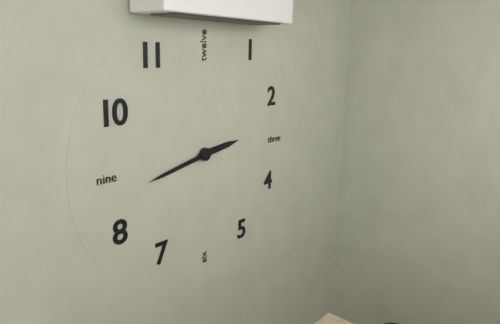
2:43
